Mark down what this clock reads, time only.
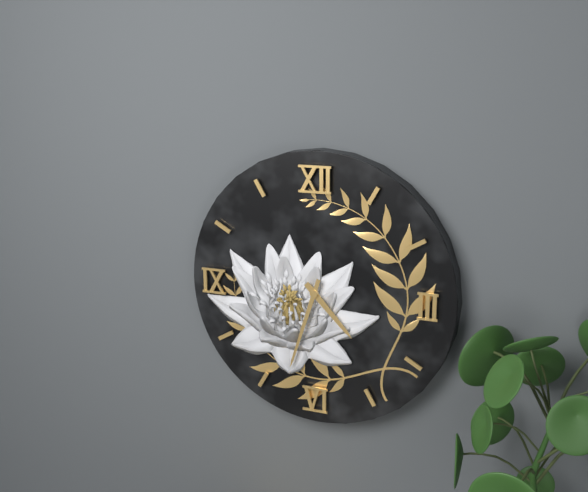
4:33
